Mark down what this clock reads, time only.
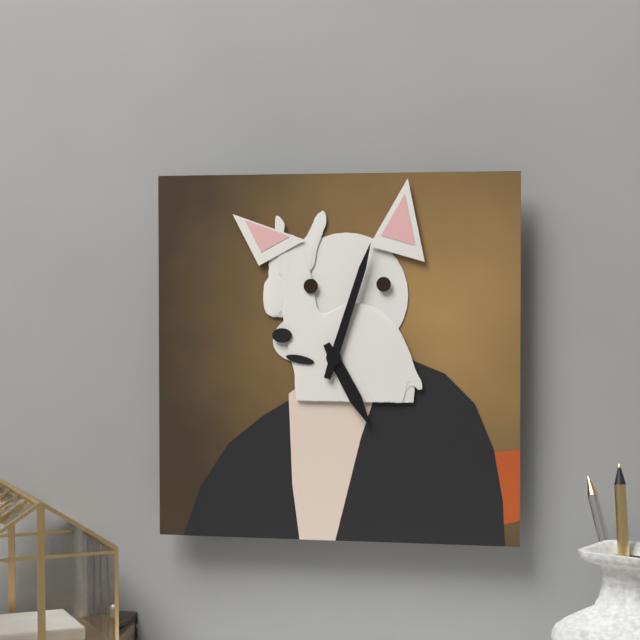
5:03
